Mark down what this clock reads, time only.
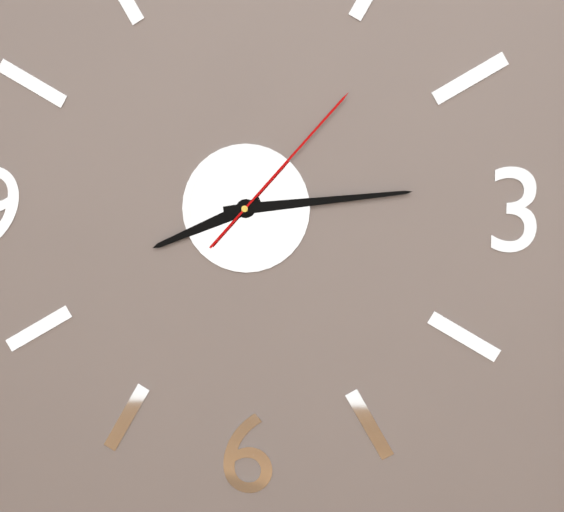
8:14:07
